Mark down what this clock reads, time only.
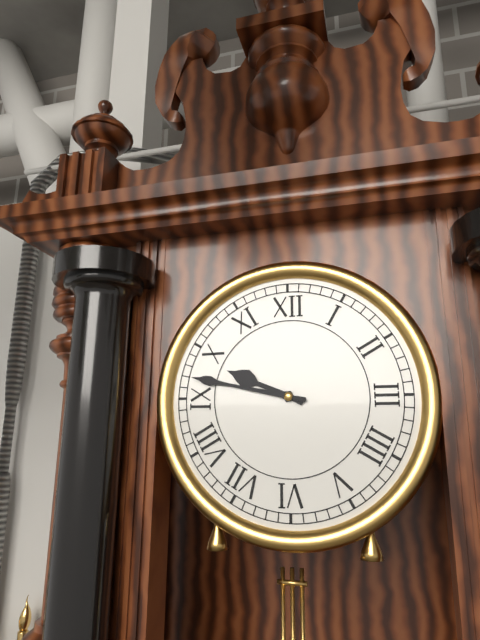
9:47
